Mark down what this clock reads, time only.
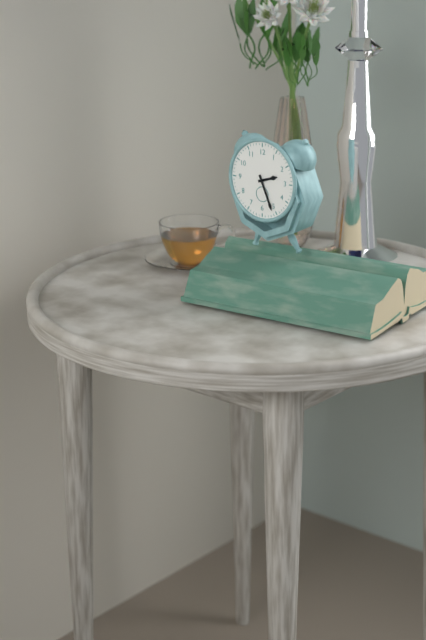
2:26
